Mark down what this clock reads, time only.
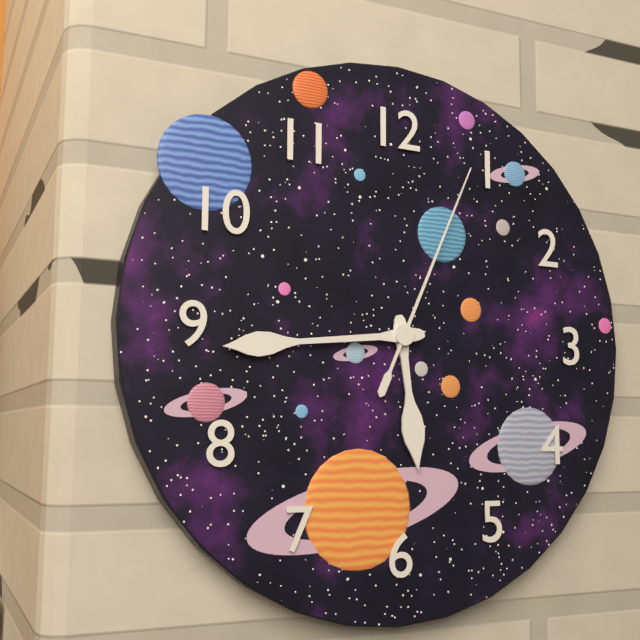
5:44:04
